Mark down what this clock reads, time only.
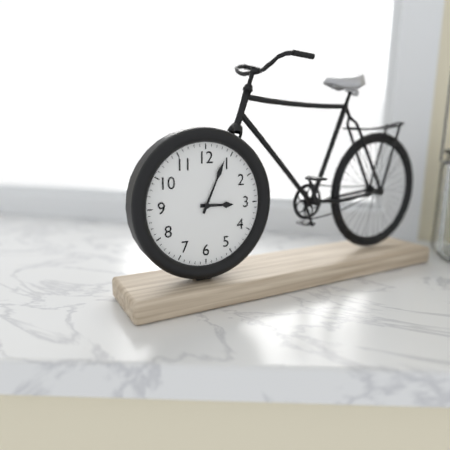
3:04
